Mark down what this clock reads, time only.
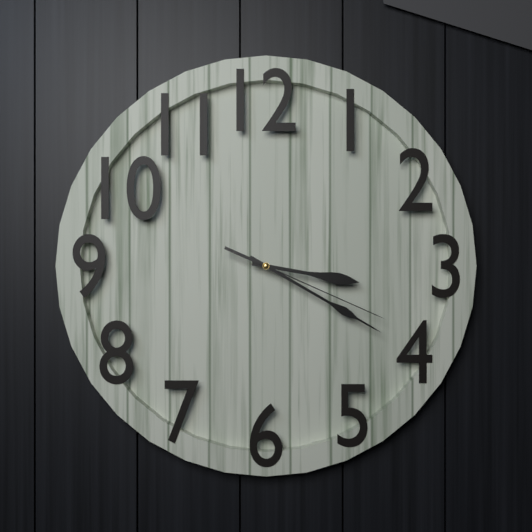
3:20:19
